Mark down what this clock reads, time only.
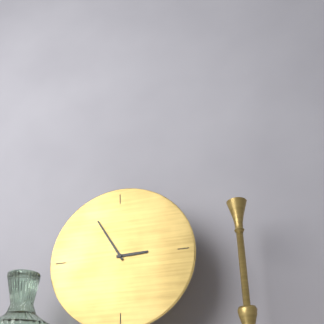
2:55
